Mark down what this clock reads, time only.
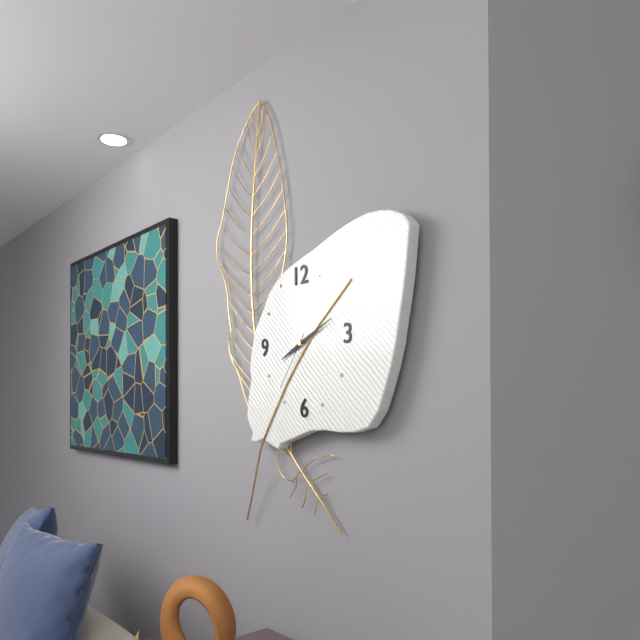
8:11:36
